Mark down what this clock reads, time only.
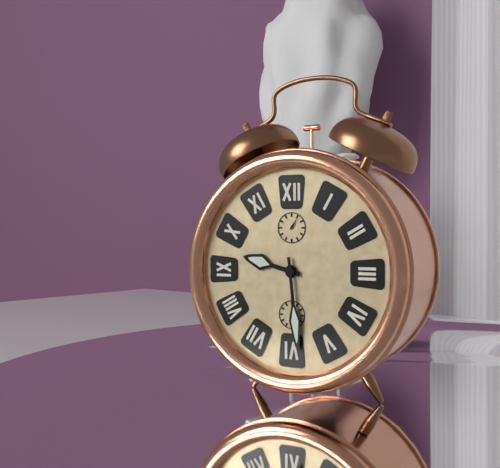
9:29
